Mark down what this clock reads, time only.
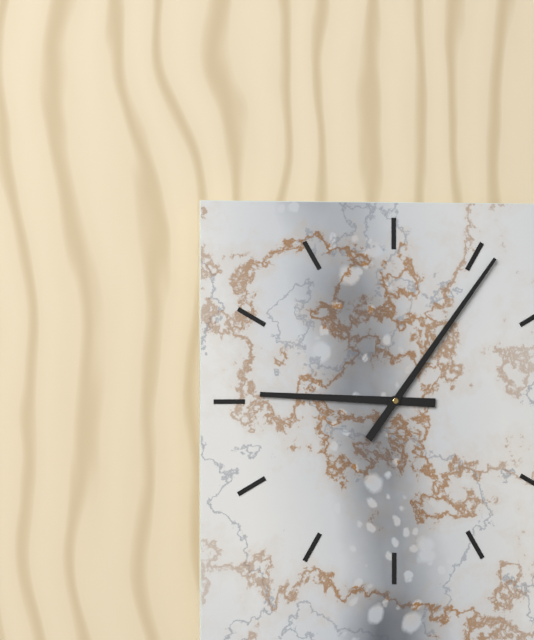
9:06
